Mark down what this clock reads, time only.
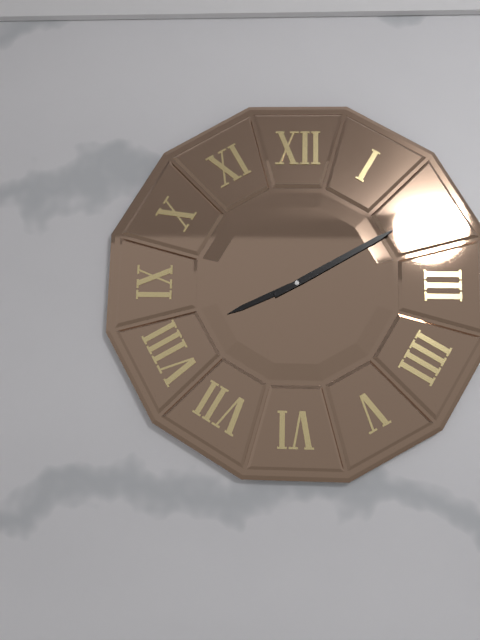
8:10
